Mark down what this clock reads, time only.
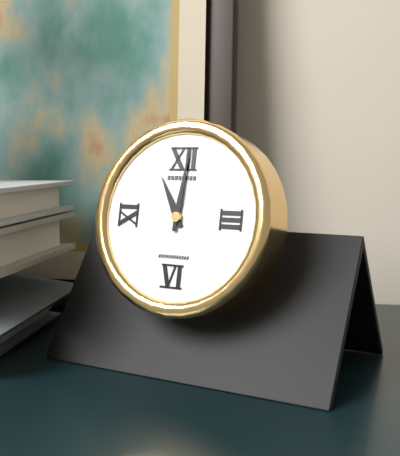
11:01
